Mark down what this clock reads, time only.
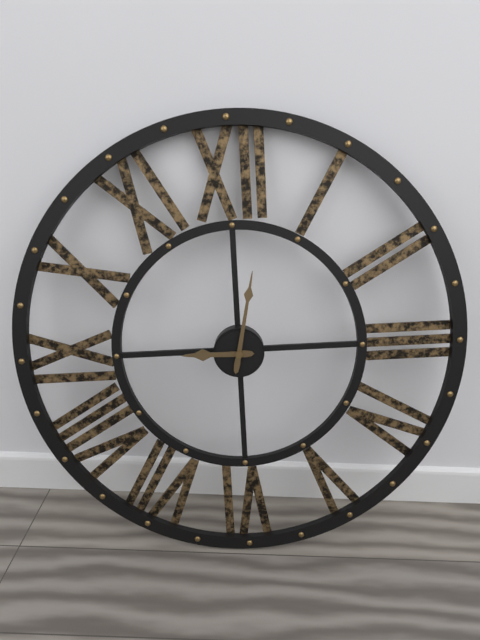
9:02
